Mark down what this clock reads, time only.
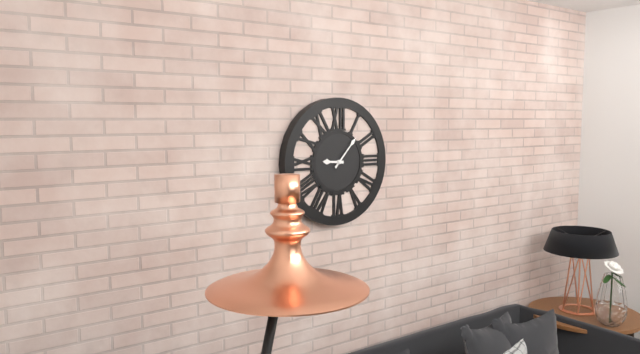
9:07
